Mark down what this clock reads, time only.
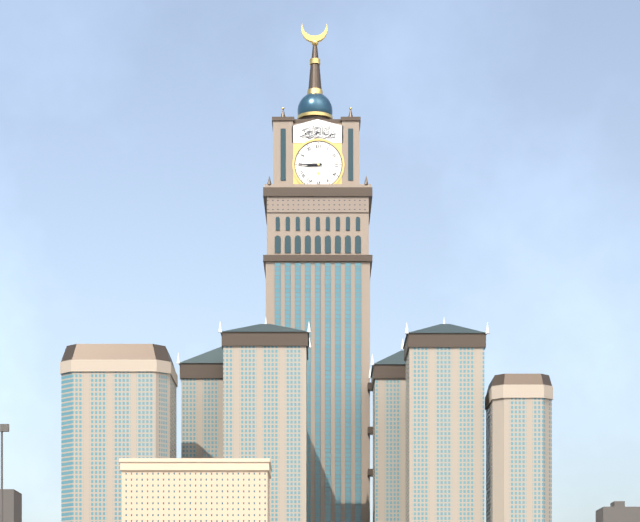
8:45
